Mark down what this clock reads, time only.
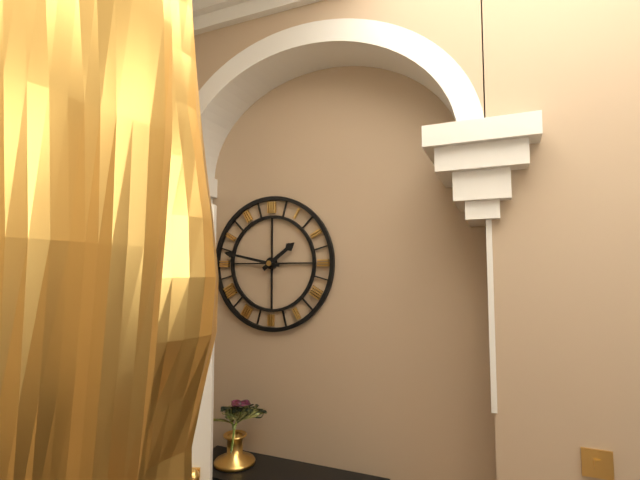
1:47
